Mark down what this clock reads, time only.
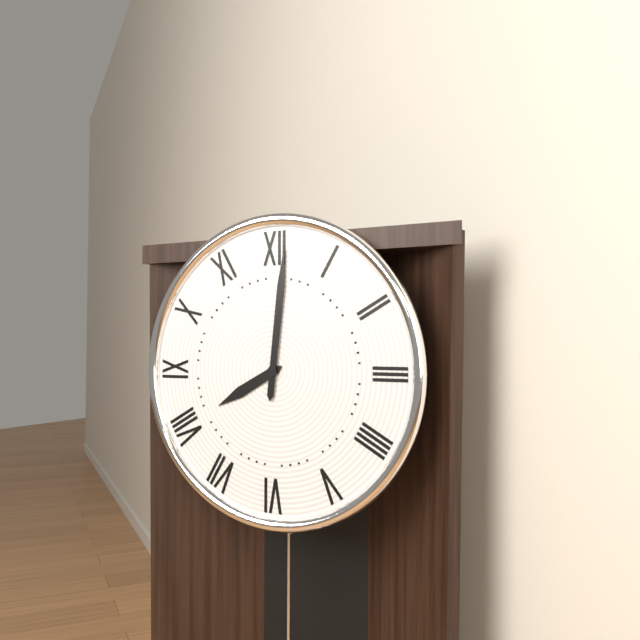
8:01
